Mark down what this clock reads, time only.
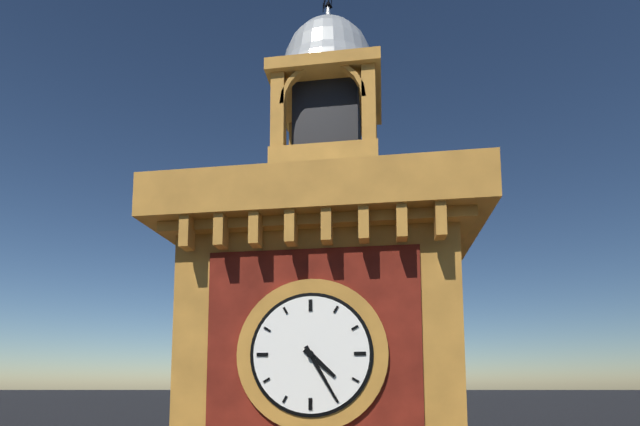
4:25
